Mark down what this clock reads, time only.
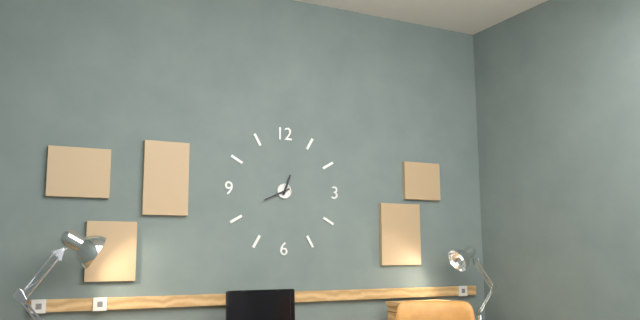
12:41
